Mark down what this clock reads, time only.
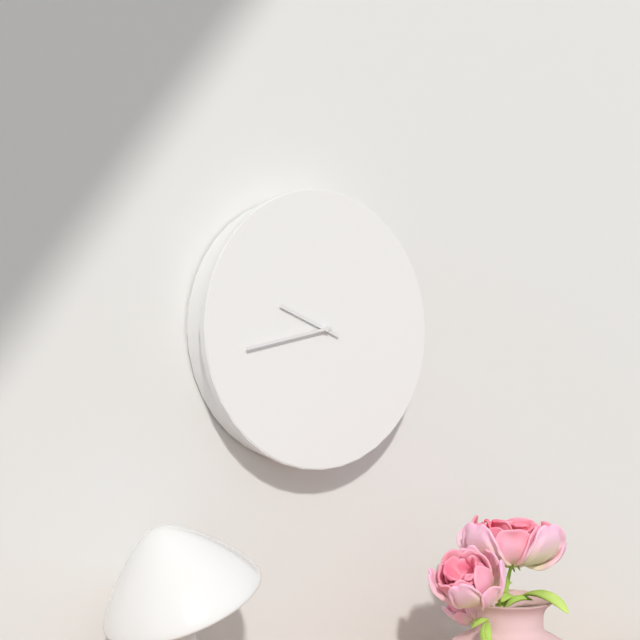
9:43
